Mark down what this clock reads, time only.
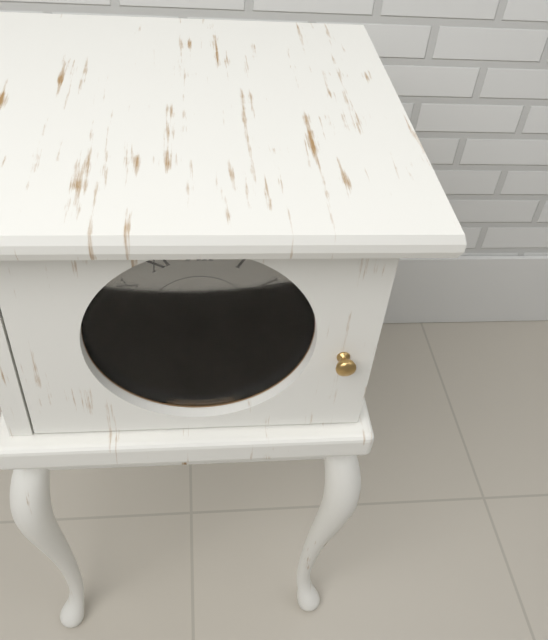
8:43:28
